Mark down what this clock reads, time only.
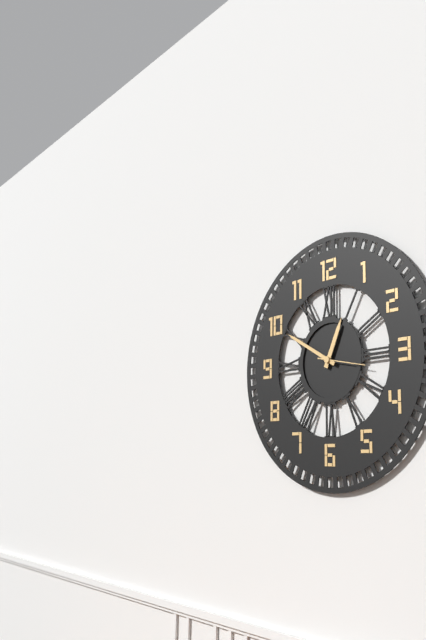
12:50
